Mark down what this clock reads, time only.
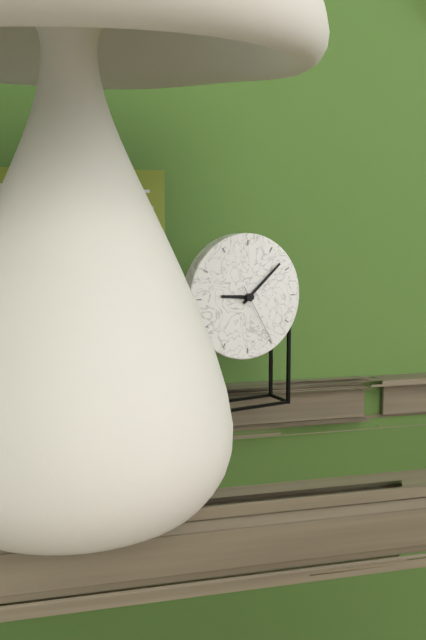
9:08:25
